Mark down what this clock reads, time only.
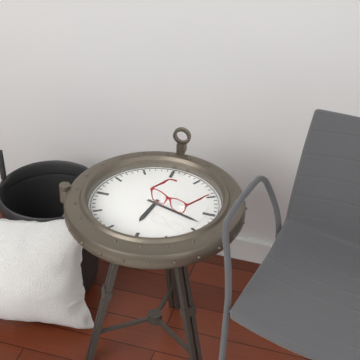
6:18
